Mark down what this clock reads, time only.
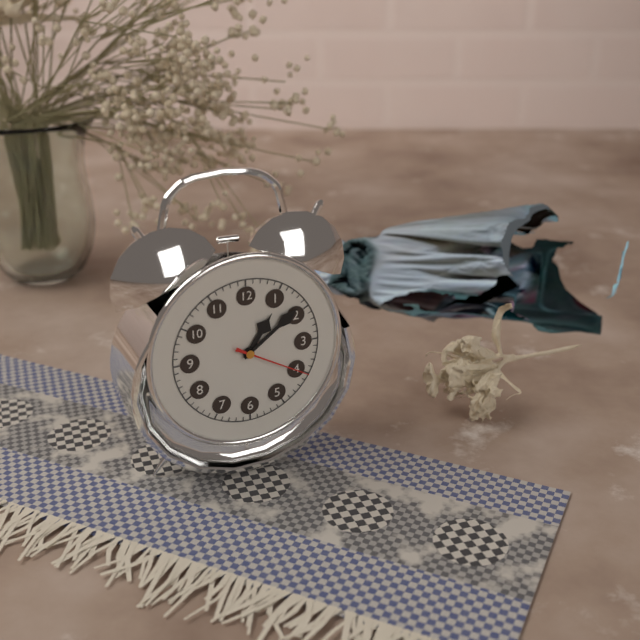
1:09:20
